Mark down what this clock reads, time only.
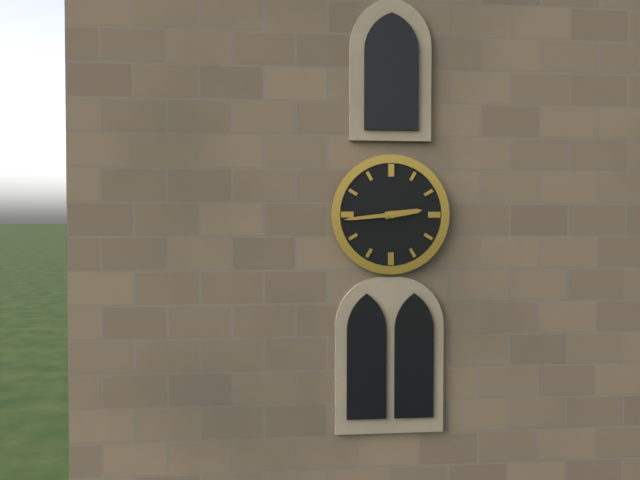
2:44
